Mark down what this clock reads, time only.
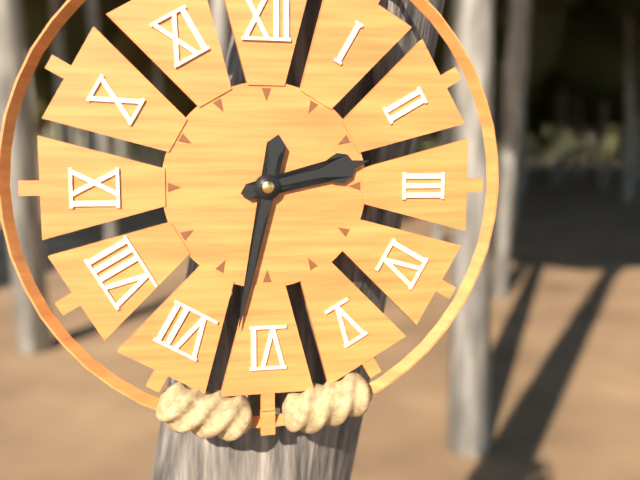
2:32
